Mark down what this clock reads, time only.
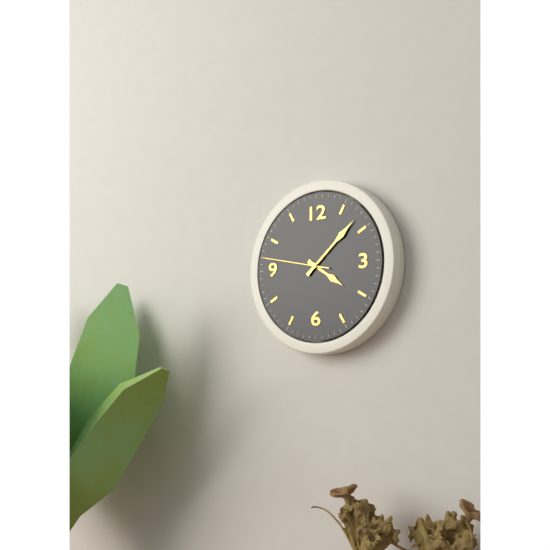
4:08:47
